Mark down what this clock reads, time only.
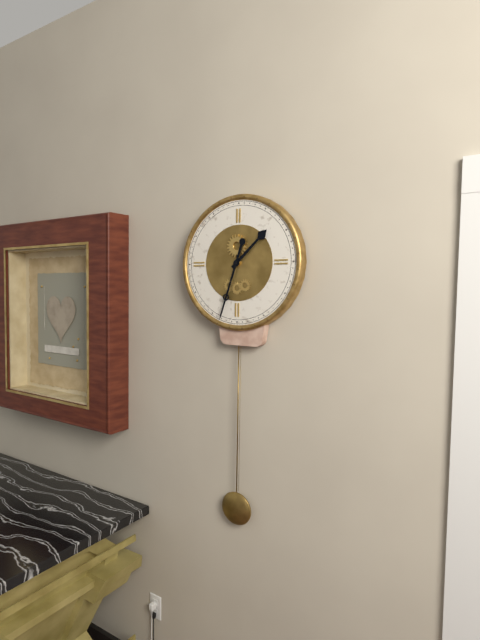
1:33
